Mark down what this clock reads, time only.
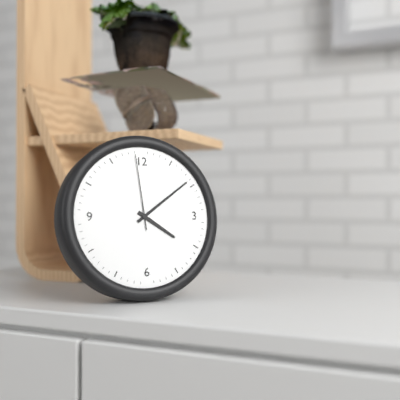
4:09:59
